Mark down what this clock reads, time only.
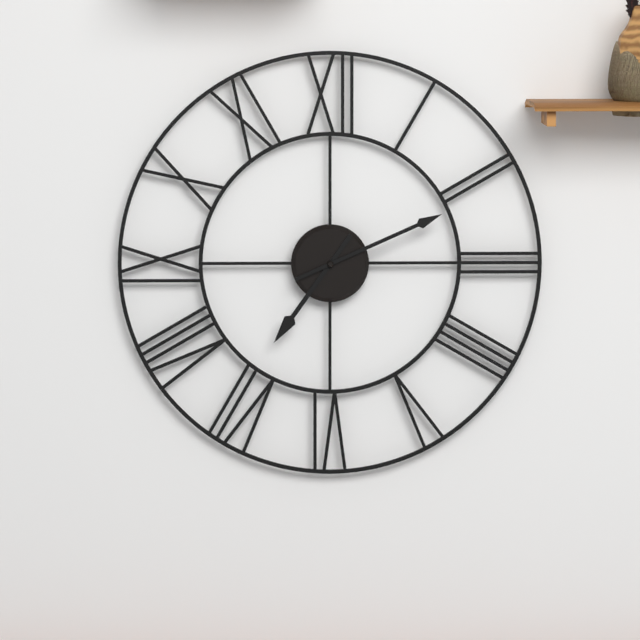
7:11
